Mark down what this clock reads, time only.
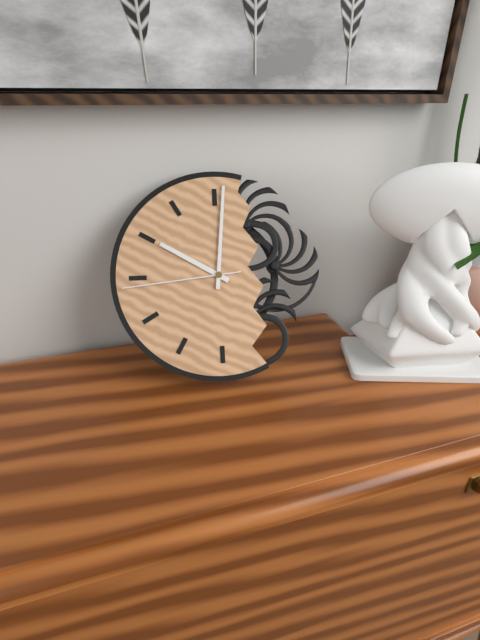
10:01:44
